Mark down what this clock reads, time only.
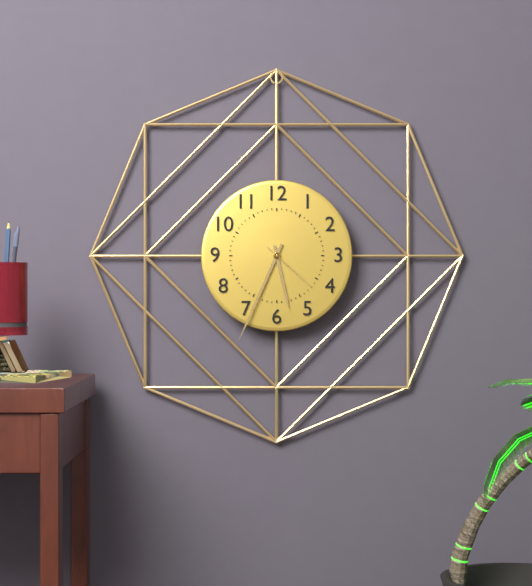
5:34:22
